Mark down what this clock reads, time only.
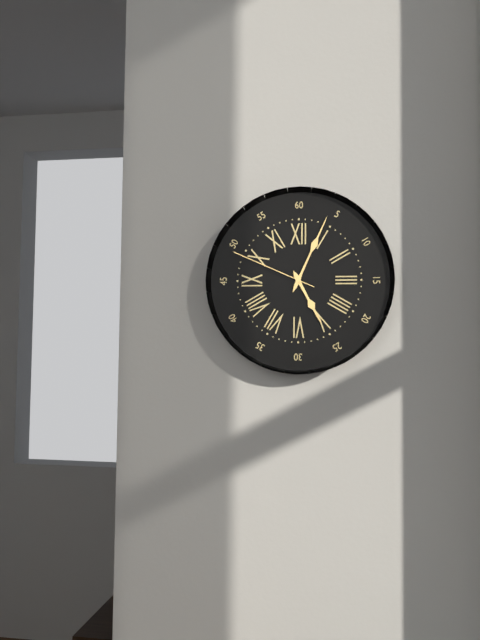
5:04:49
